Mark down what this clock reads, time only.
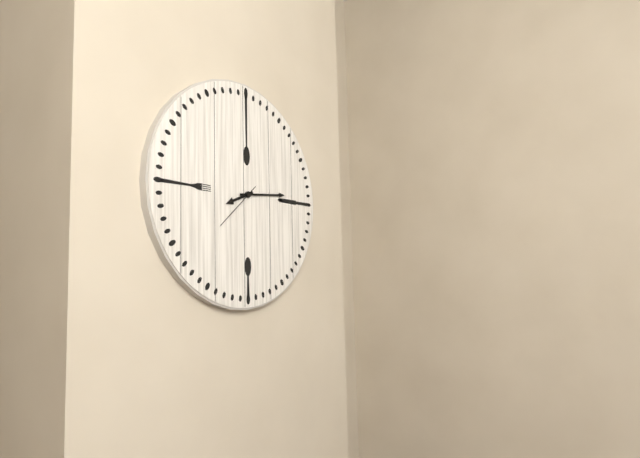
8:14:38
